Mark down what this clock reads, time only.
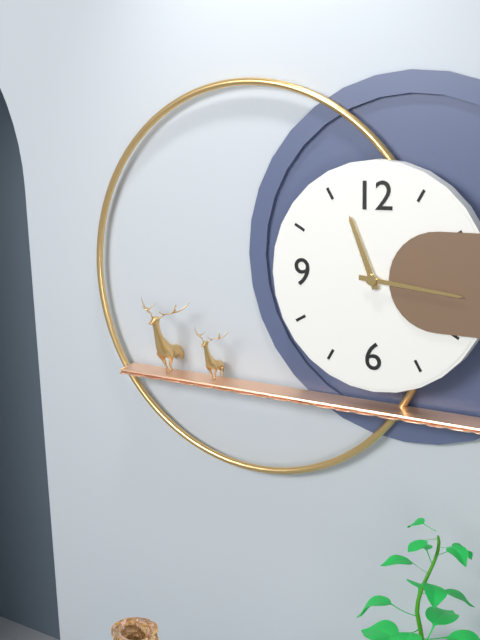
11:16
